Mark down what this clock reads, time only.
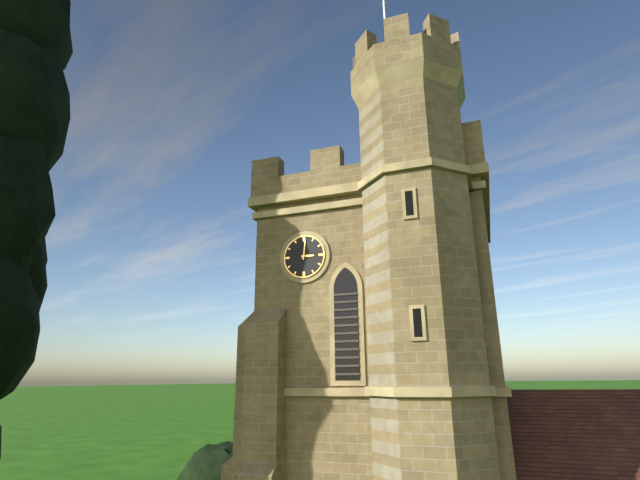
3:01
